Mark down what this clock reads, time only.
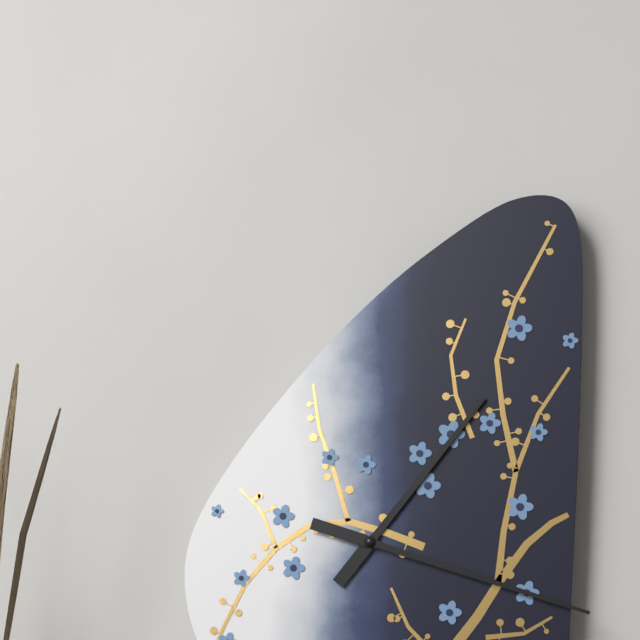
1:18
